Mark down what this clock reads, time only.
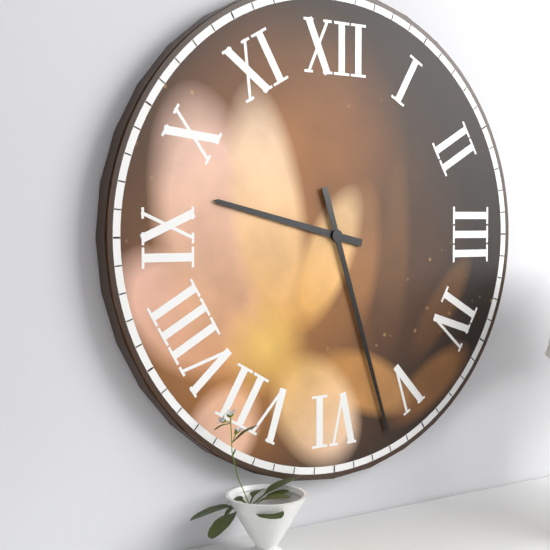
9:27
